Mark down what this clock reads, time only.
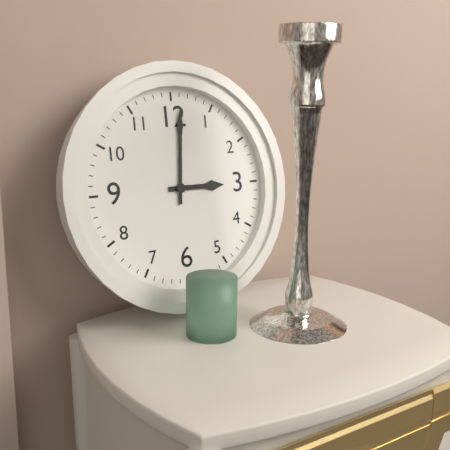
3:01
